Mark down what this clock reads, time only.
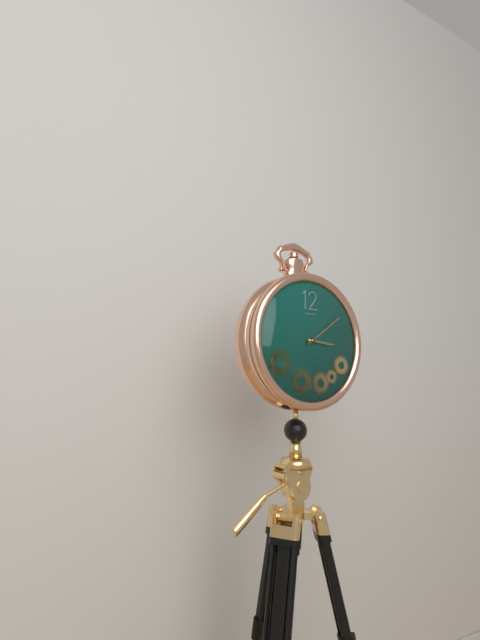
3:09
